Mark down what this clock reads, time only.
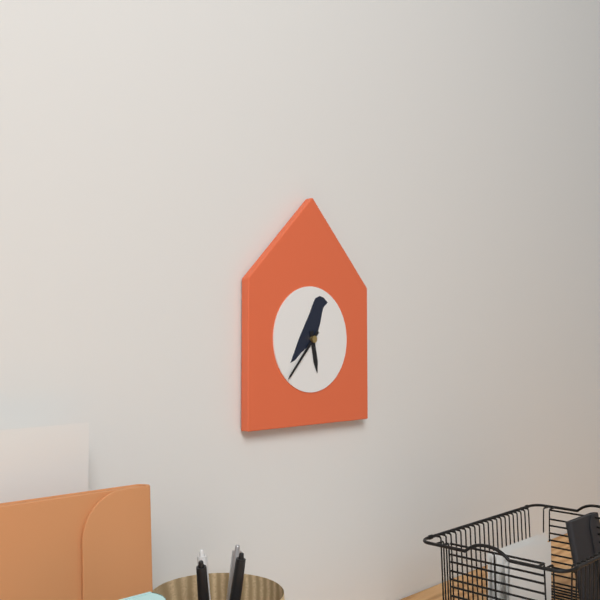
5:37
